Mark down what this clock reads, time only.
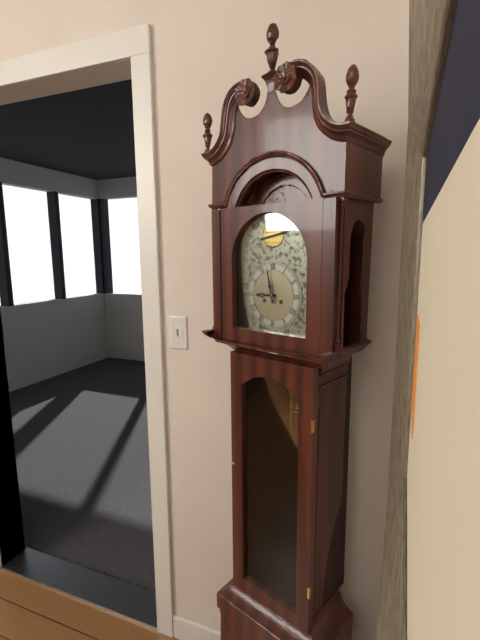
8:58
